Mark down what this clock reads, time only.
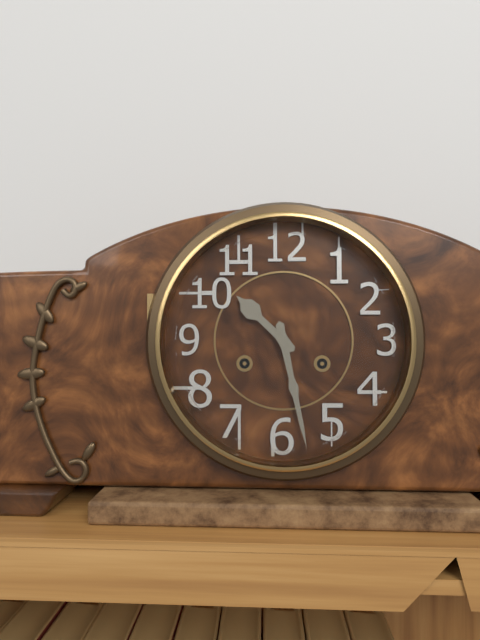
10:28
